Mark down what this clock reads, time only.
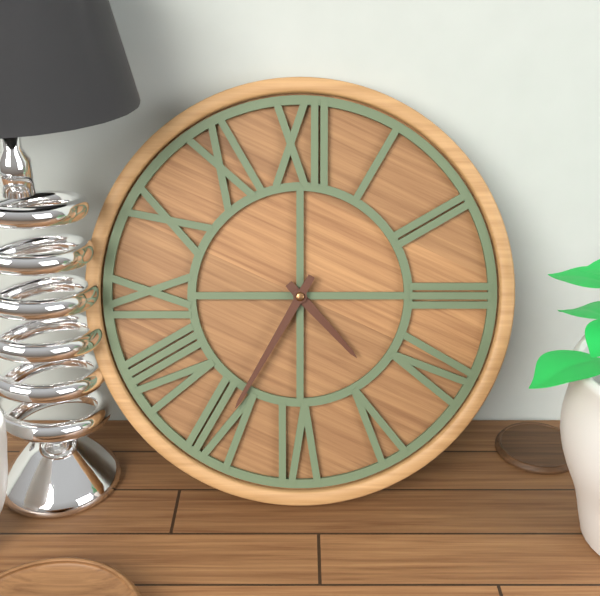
4:35
